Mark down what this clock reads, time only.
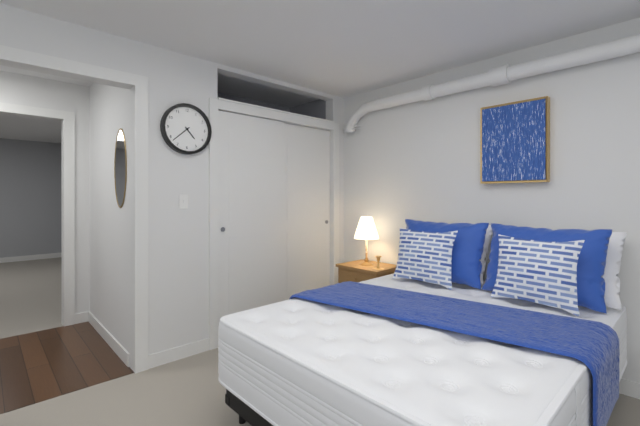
4:38
